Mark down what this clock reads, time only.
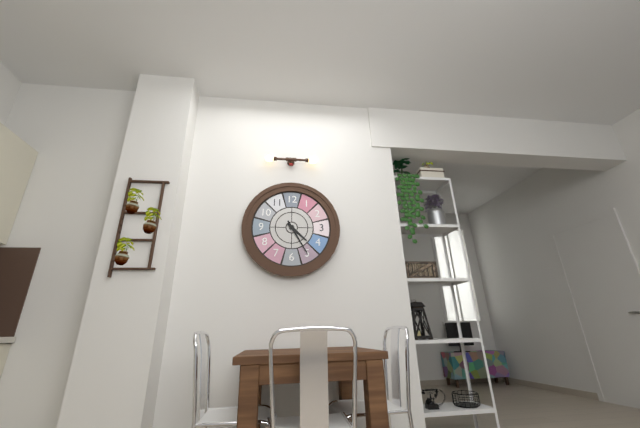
4:25
